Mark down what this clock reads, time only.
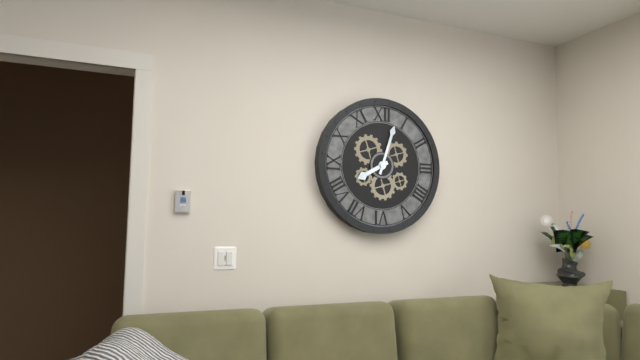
8:03
